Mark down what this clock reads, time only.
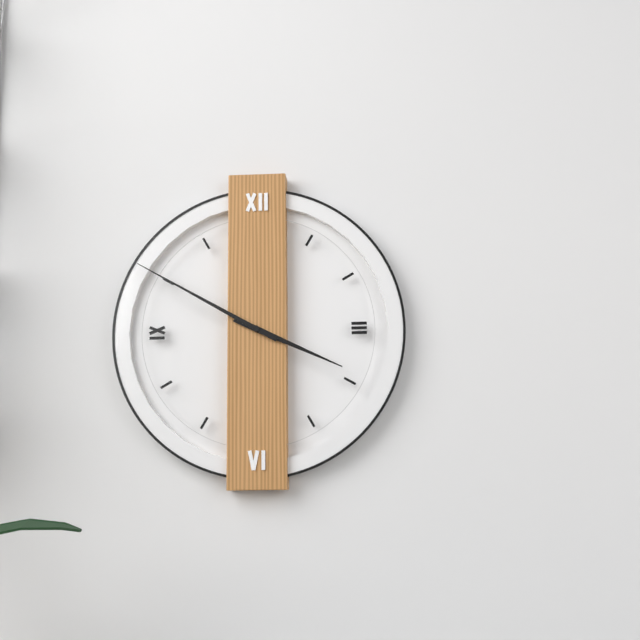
3:50
